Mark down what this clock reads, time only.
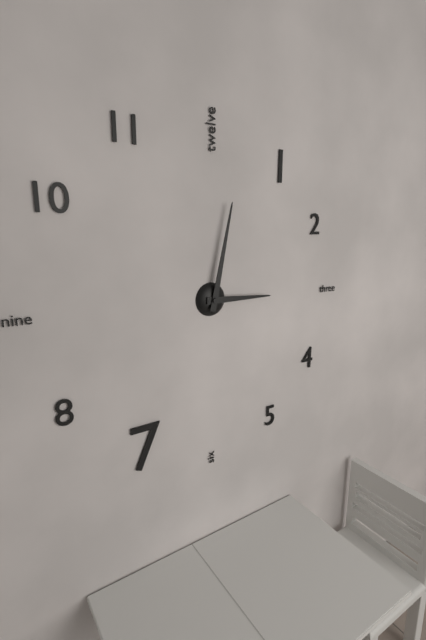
3:02
